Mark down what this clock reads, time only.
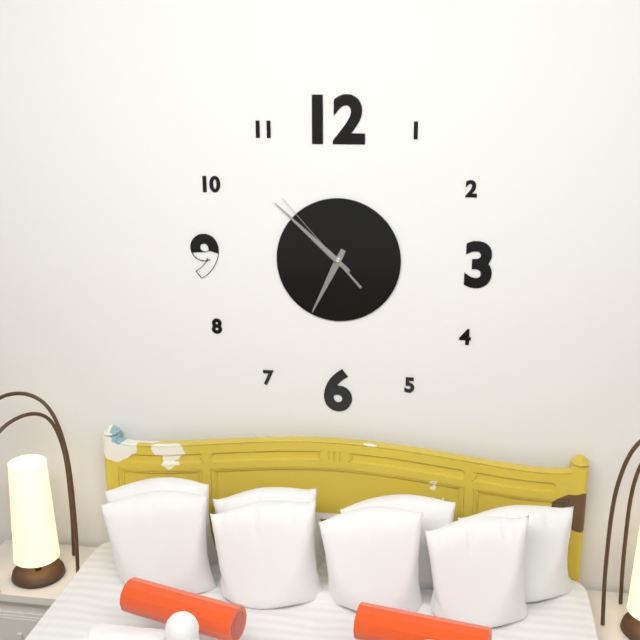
6:52:53
